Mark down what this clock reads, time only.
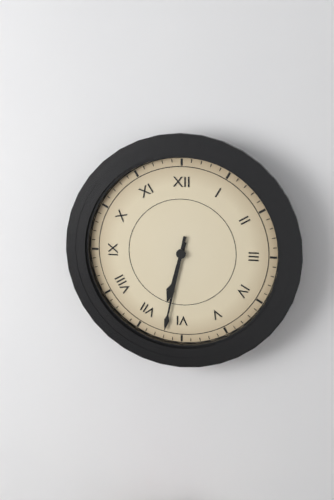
6:32
